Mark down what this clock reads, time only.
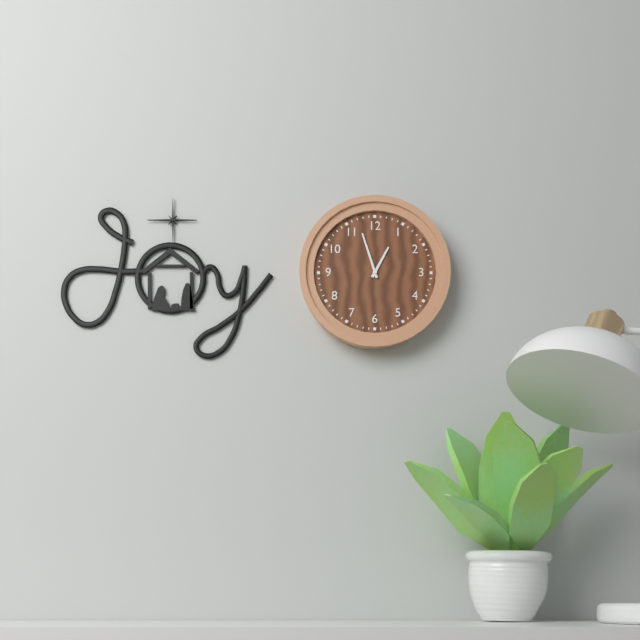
12:57
